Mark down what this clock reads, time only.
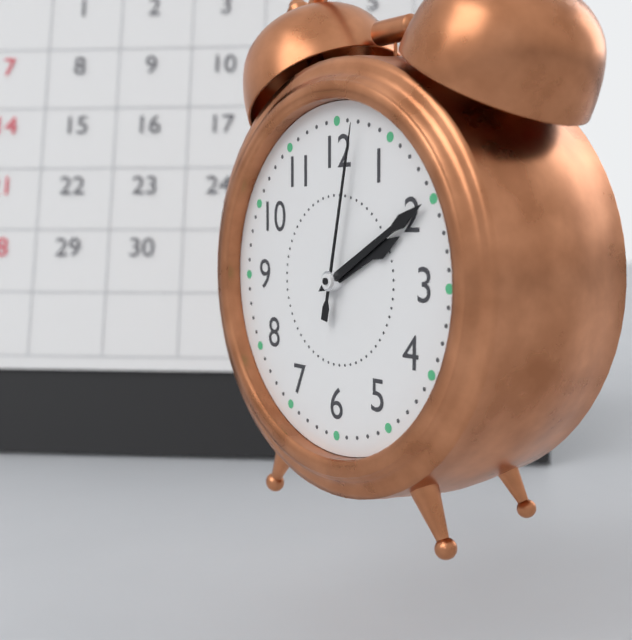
2:10:02
